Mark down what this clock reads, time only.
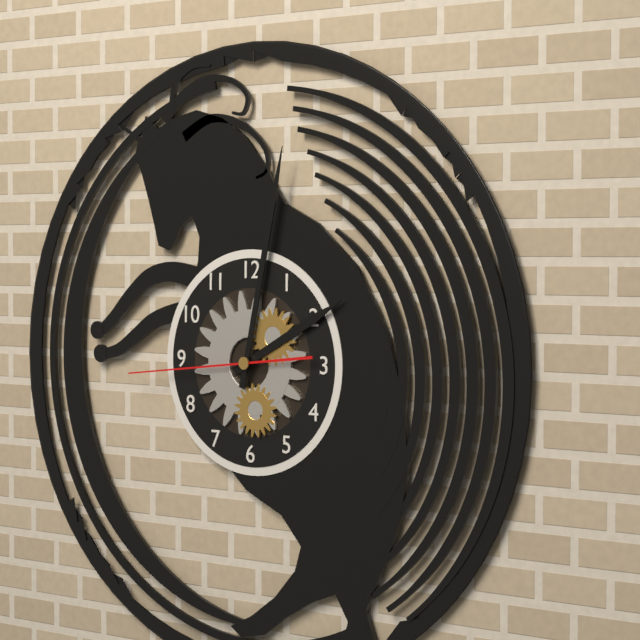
2:02:44
